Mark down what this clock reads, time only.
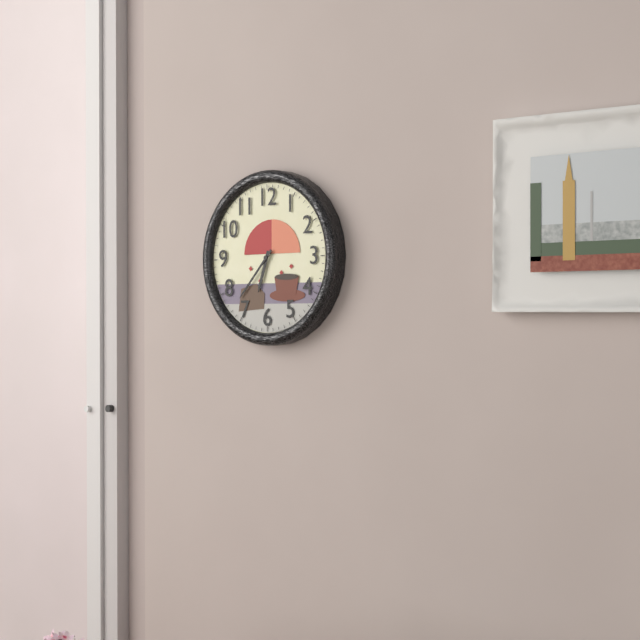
6:37
